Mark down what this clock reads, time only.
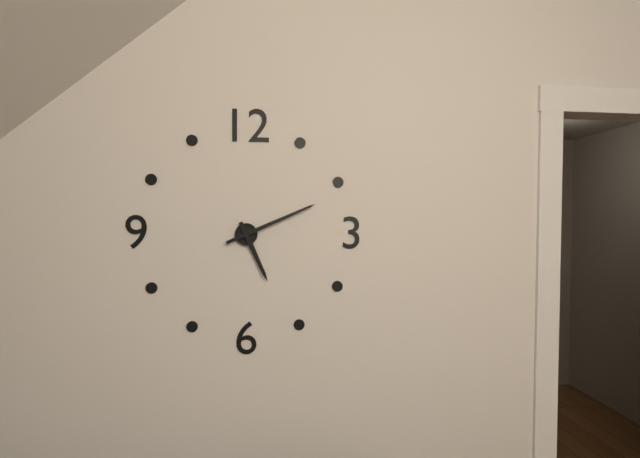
5:11
